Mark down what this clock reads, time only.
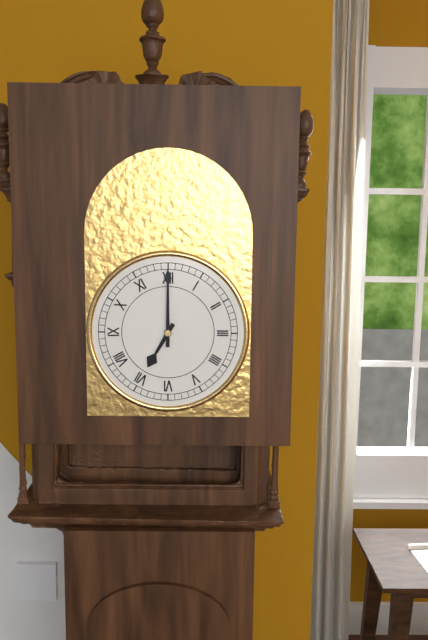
7:00
